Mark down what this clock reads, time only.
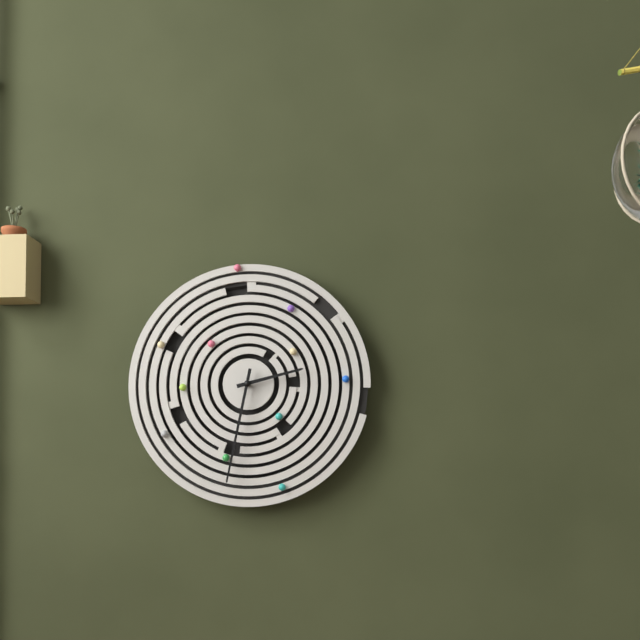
2:32
